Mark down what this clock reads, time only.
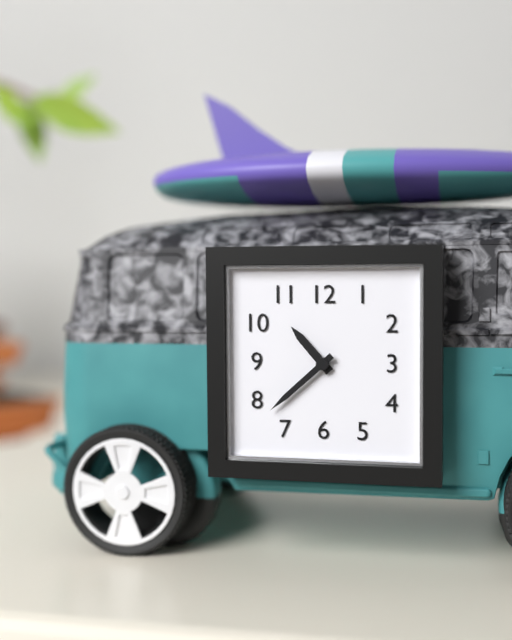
10:38
